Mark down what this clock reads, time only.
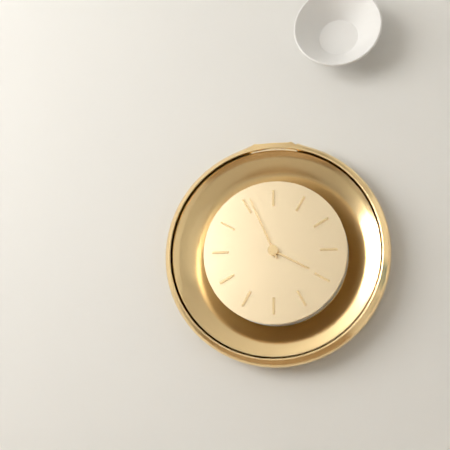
3:56
